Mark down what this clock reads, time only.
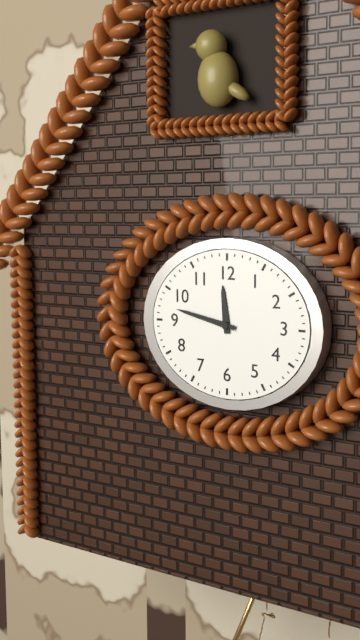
11:47
